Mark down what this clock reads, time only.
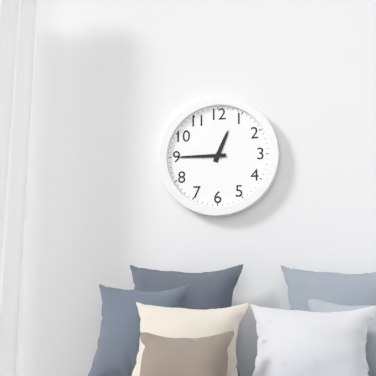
12:45
